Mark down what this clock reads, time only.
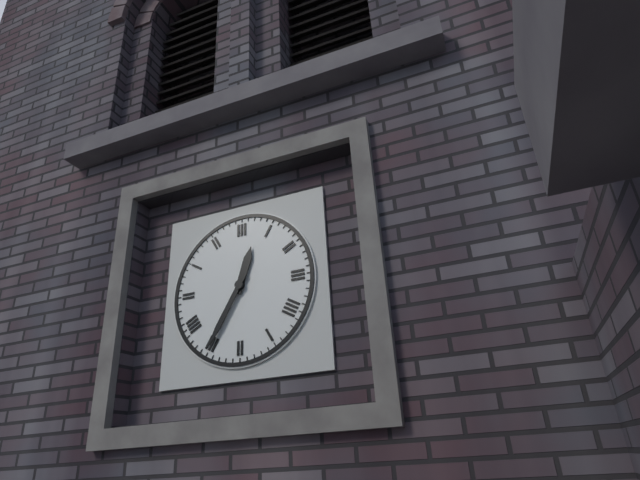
12:35
